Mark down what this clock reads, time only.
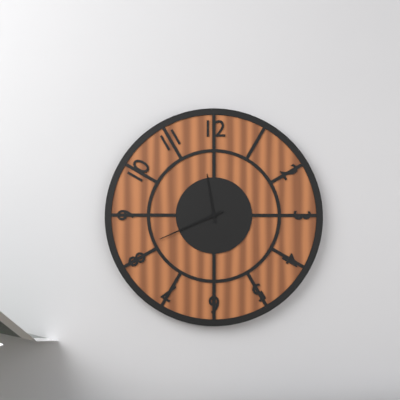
11:41
